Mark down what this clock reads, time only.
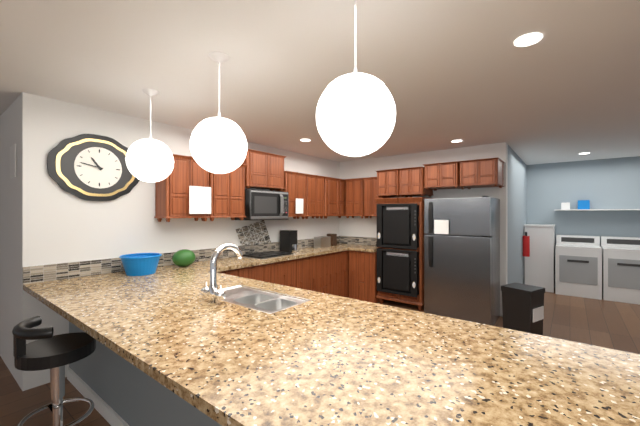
10:47
